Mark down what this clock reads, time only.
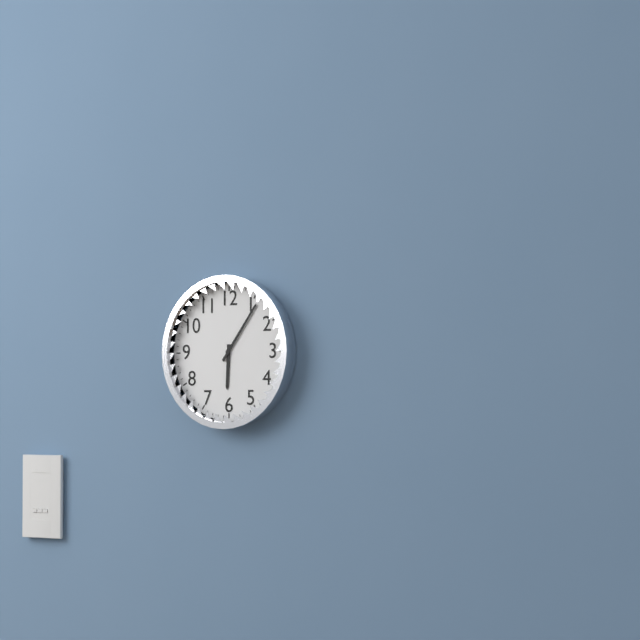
6:06
